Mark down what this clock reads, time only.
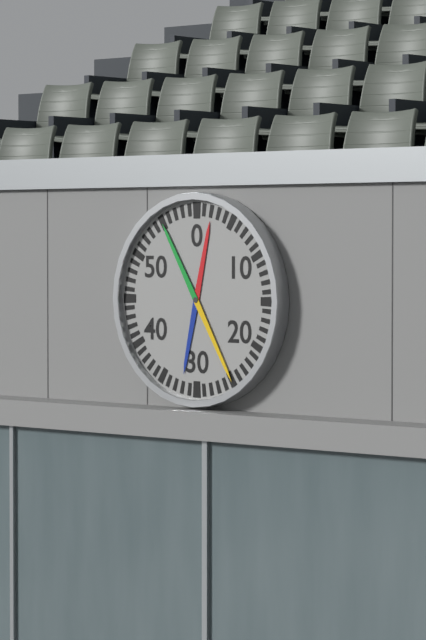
12:25
